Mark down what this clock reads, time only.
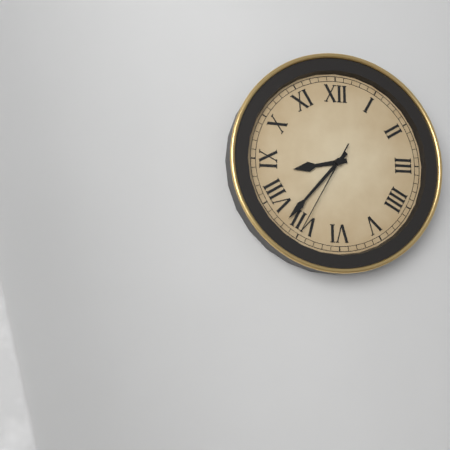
8:37:35
